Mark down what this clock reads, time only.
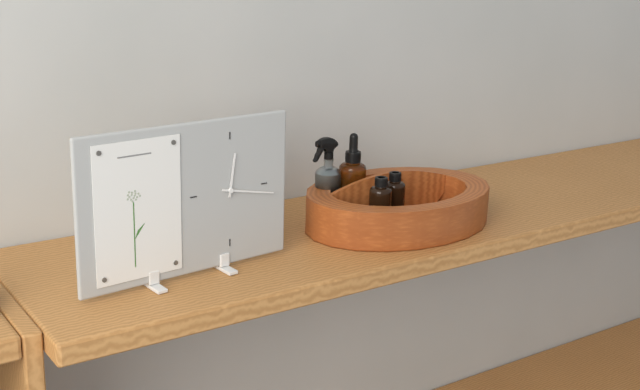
12:17
